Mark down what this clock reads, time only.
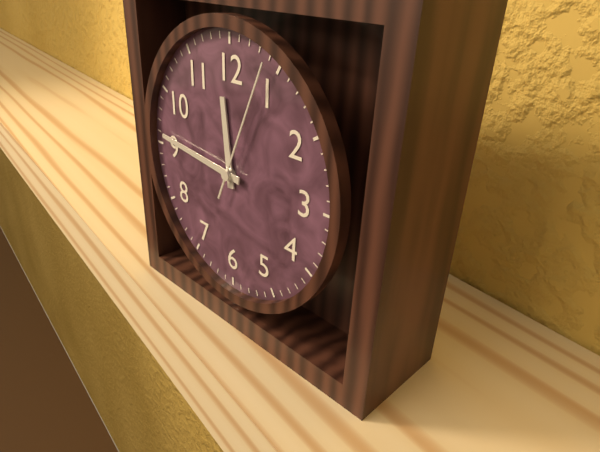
11:46:04
